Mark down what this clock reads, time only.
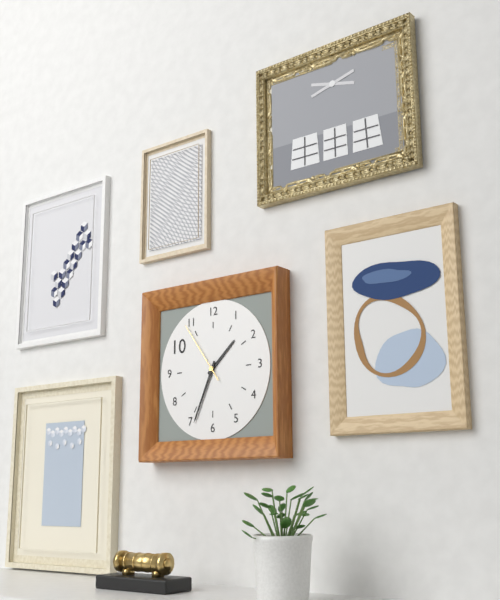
1:34:54
